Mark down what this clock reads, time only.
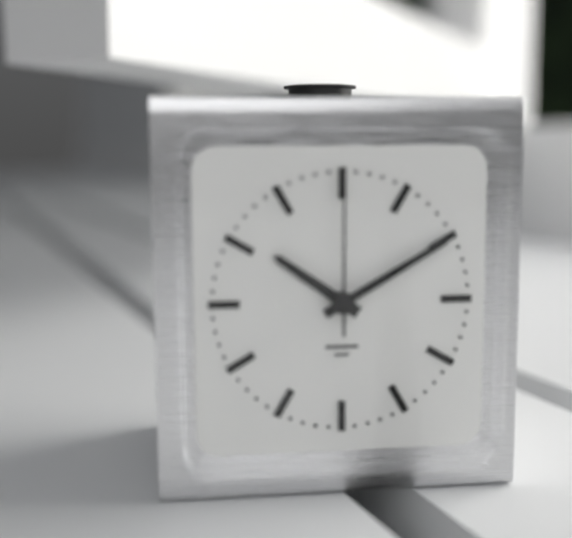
10:10:00
